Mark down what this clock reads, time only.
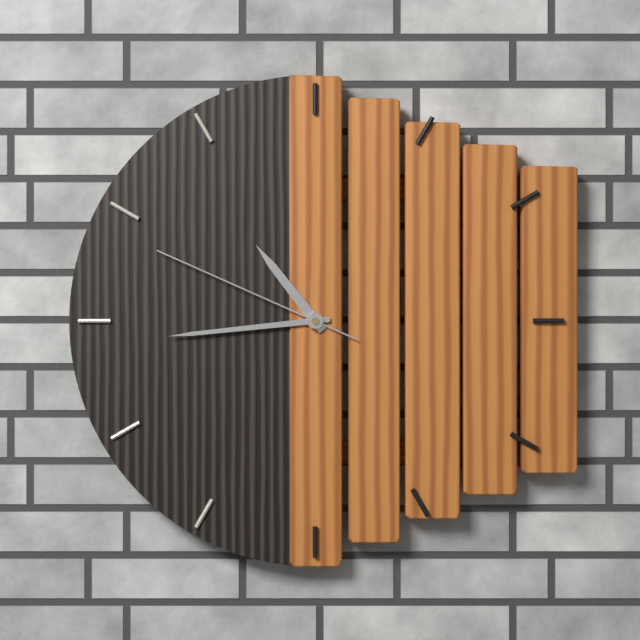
10:44:49
